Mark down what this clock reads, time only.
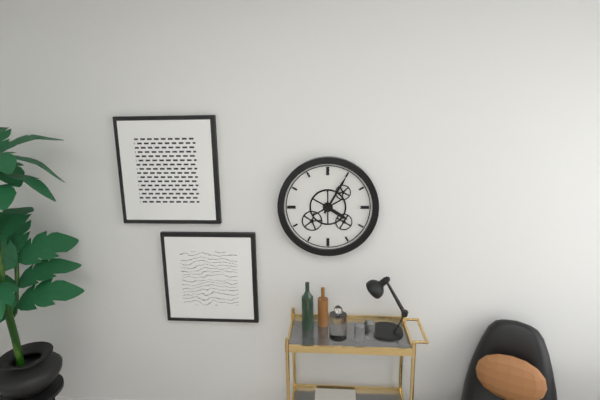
4:05
